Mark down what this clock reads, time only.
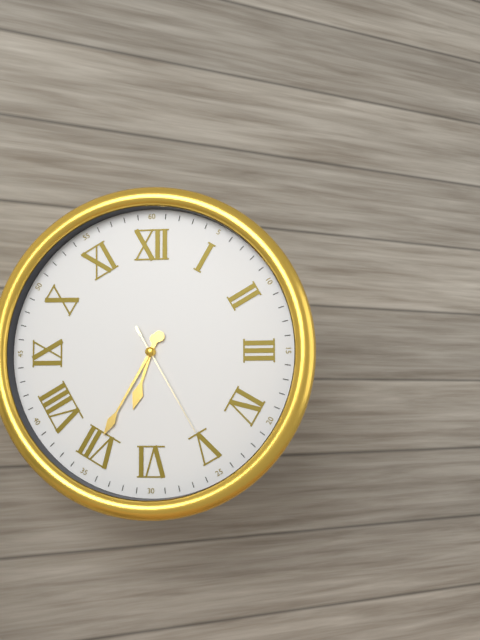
6:35:25
